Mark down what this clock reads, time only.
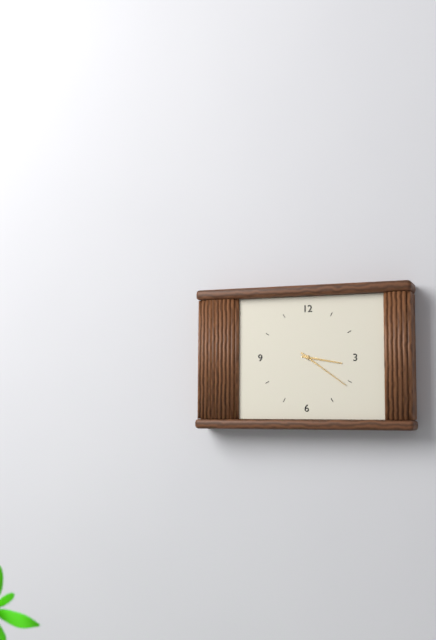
3:21
